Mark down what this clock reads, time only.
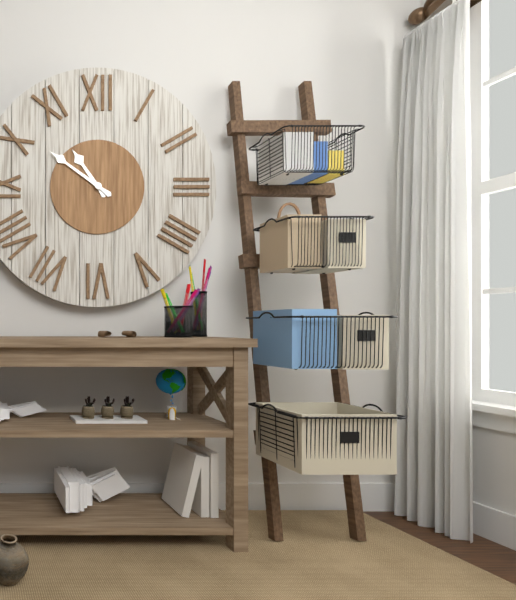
10:51
